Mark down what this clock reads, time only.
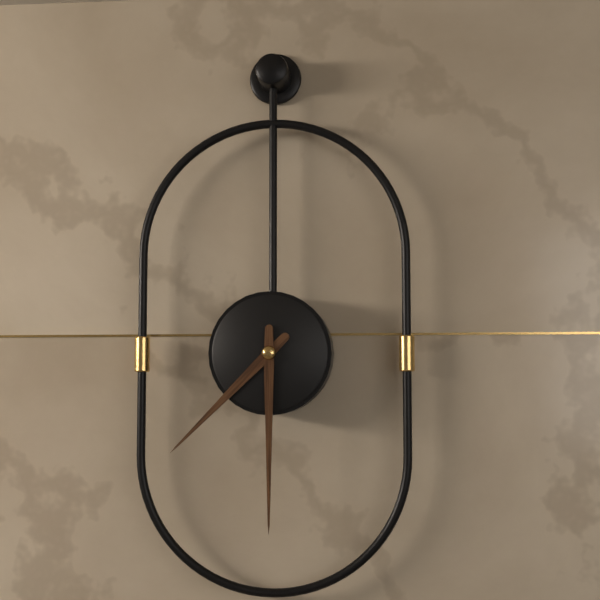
7:30
